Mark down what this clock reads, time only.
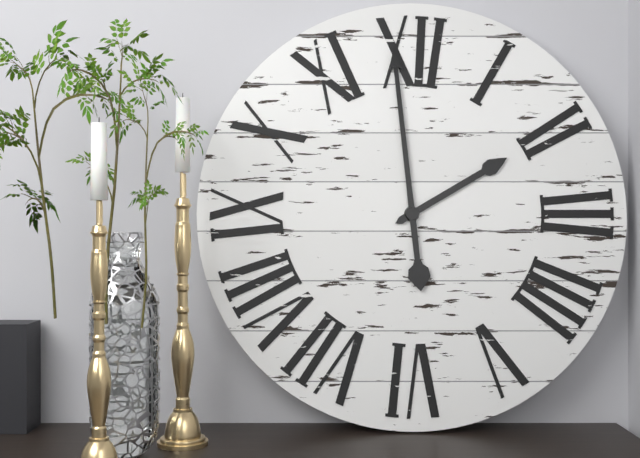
1:59
